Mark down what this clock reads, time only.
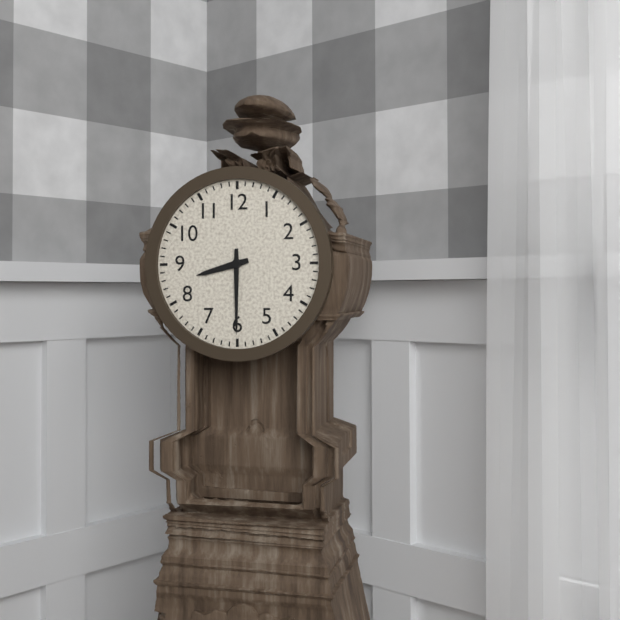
8:30
